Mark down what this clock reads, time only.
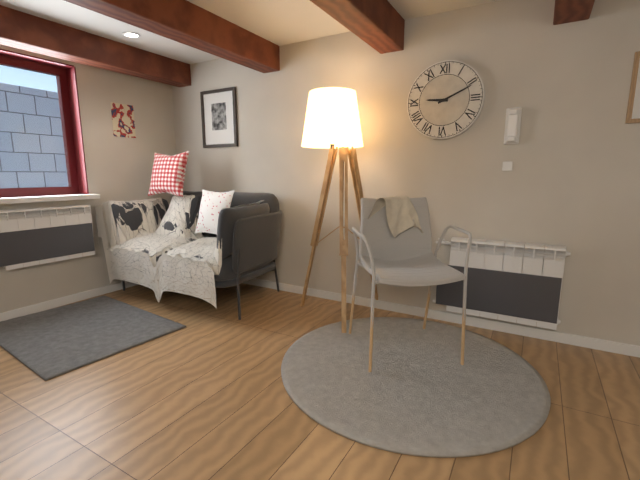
9:11
